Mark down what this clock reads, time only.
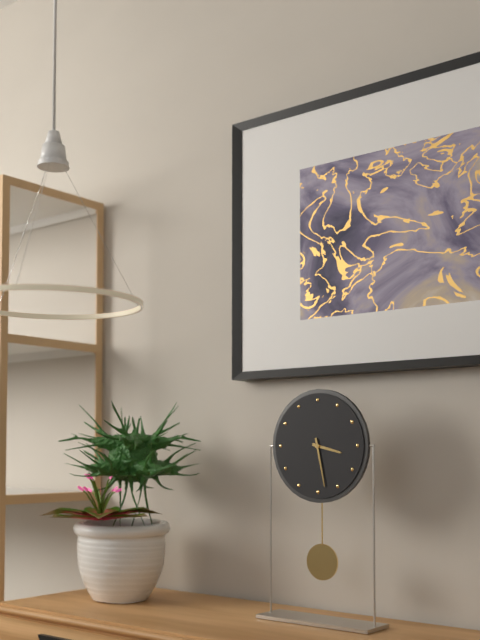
3:28
